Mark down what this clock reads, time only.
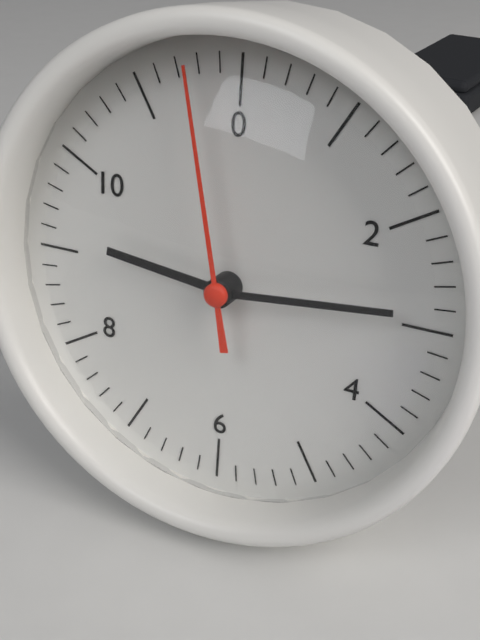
9:14:58
